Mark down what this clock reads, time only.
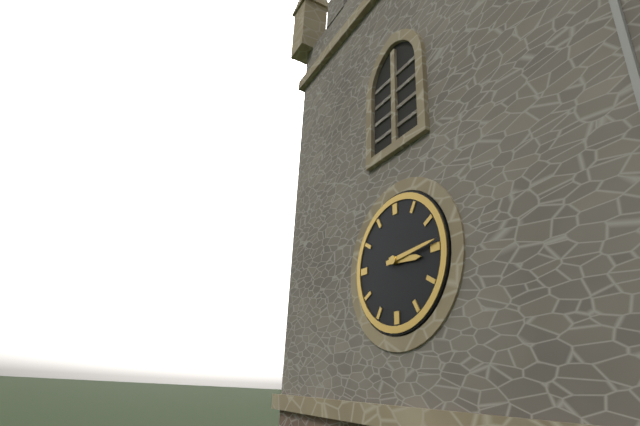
3:14
